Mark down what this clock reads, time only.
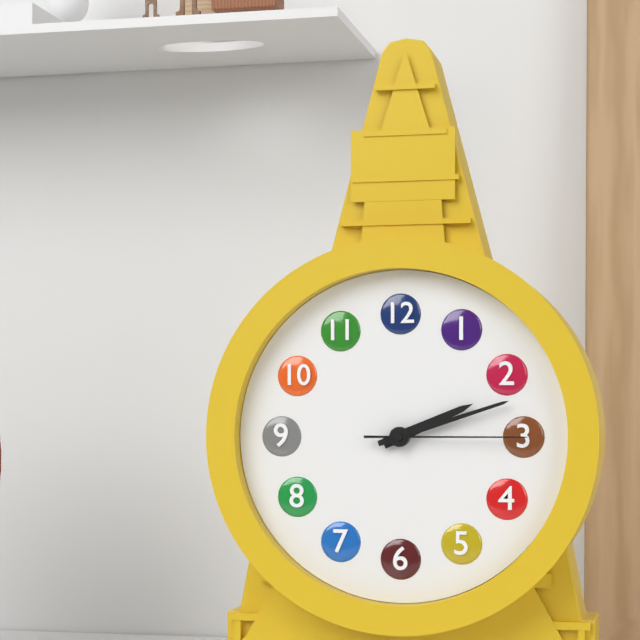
2:12:15
